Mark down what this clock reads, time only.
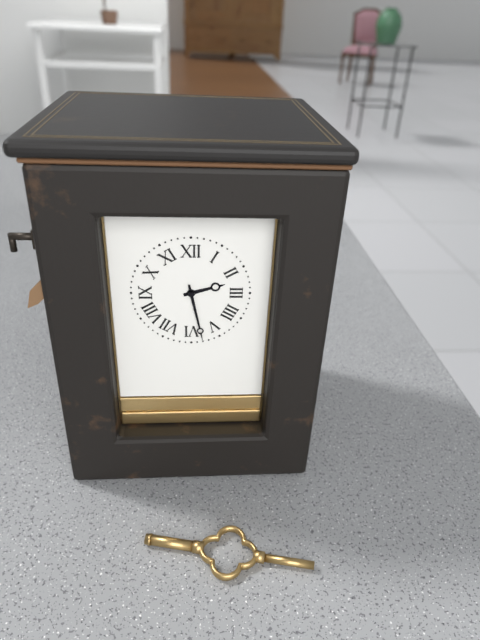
2:28
